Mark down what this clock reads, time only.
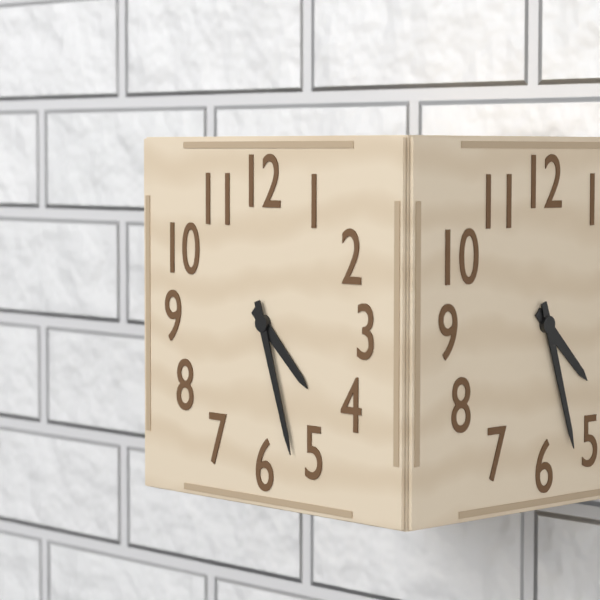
4:27
